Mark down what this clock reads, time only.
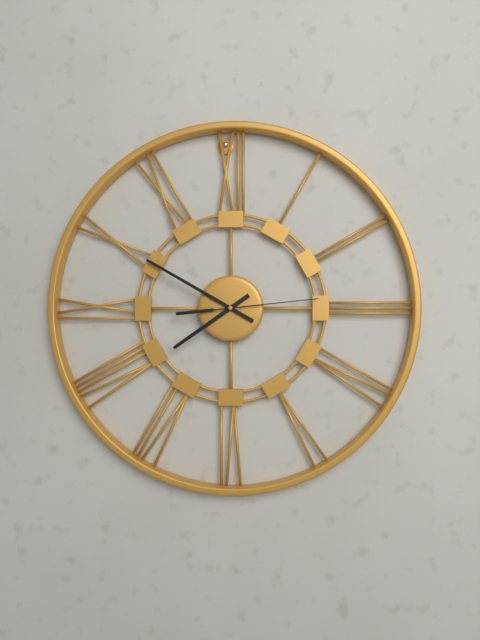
7:50:14
